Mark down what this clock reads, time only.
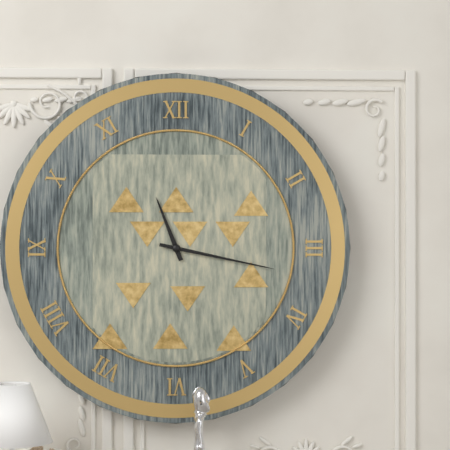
11:17
